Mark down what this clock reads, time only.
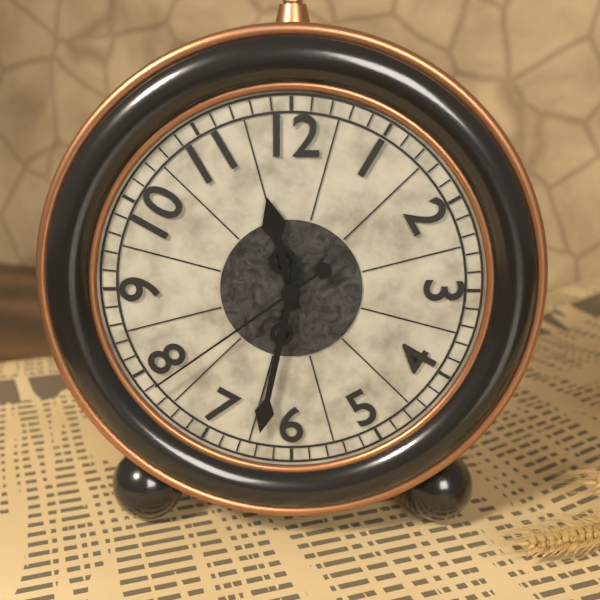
11:32:39
